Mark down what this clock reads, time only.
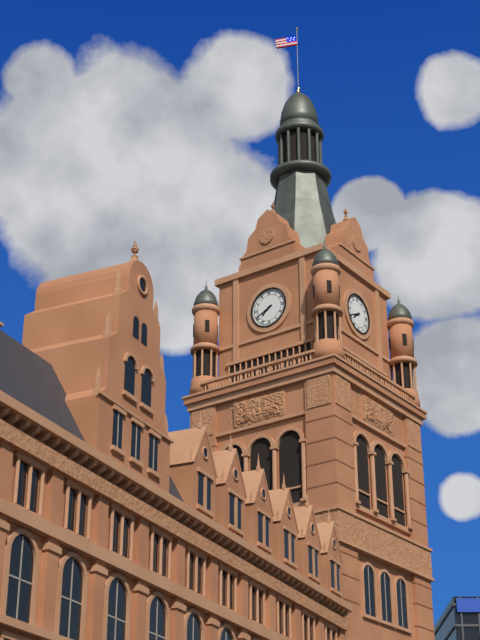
7:41
